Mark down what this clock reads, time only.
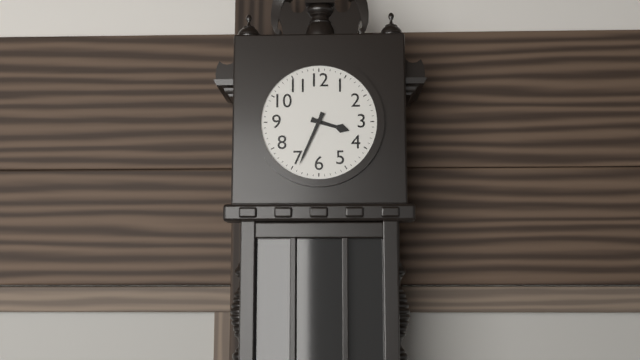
3:34
